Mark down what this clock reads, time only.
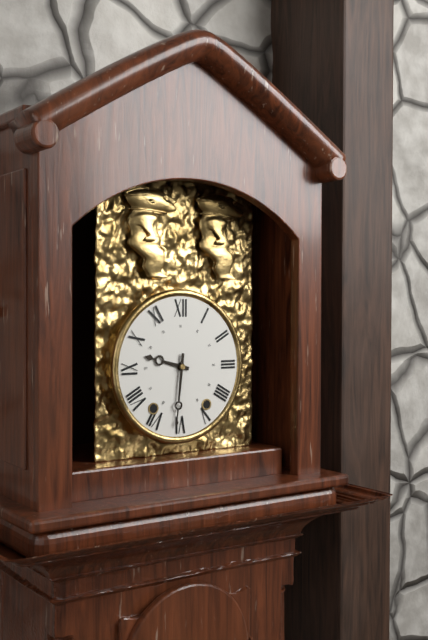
9:31
